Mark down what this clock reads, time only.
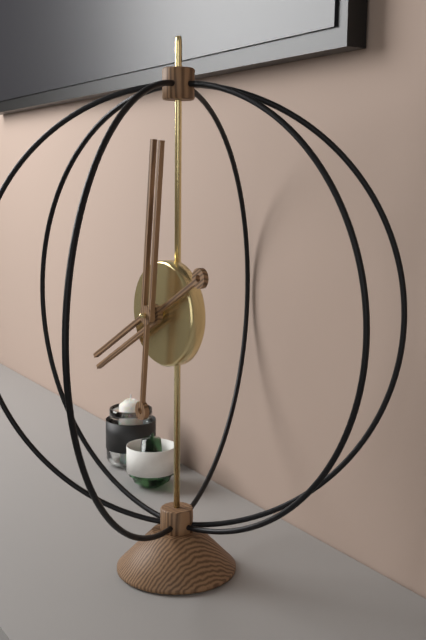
8:01
